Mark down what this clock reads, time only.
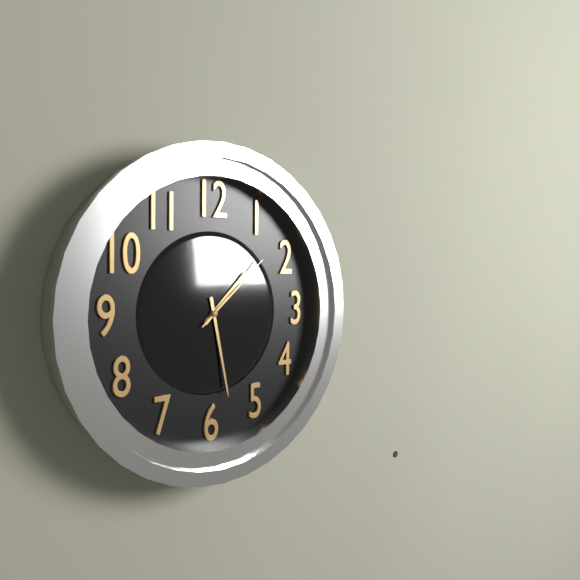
1:28:08
